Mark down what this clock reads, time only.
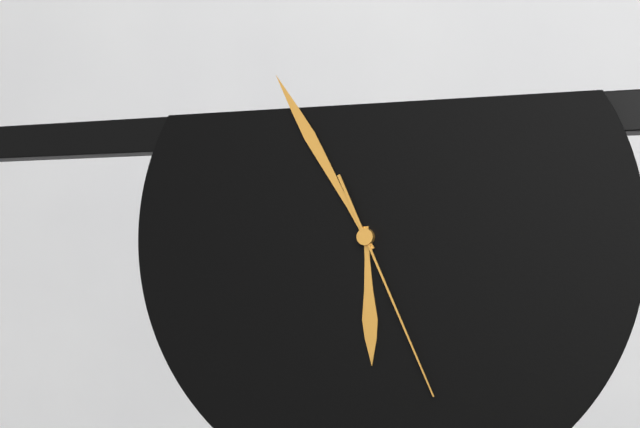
5:55:26
